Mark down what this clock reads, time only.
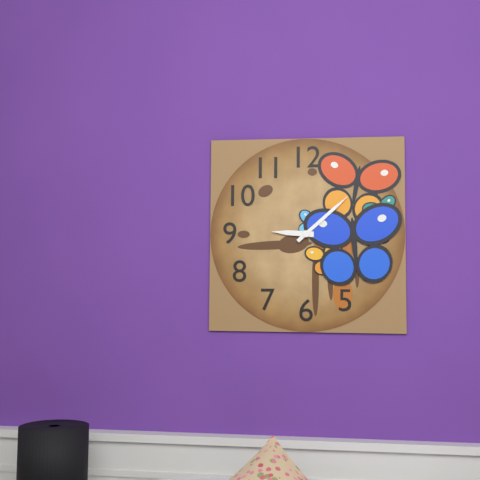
9:08
